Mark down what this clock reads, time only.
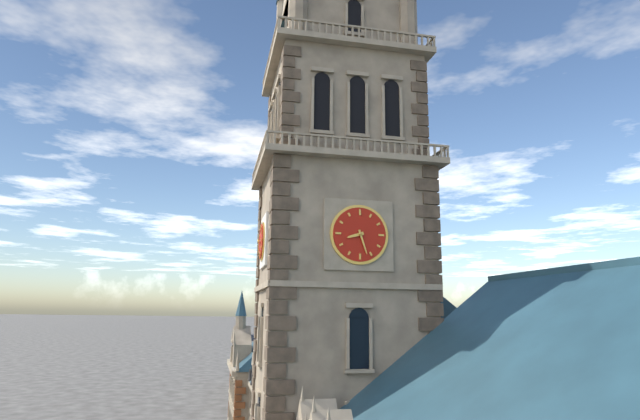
8:27
